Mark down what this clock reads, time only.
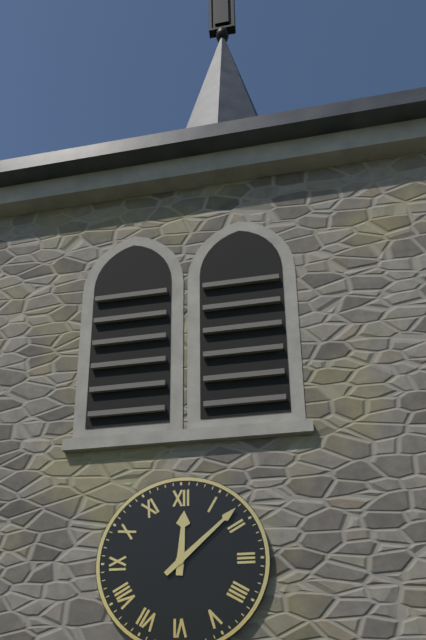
12:08
